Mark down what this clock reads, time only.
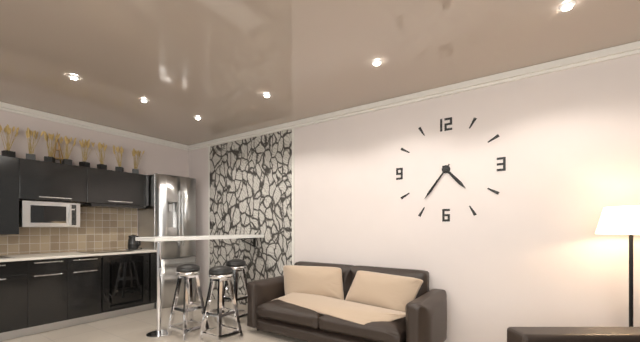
4:36
